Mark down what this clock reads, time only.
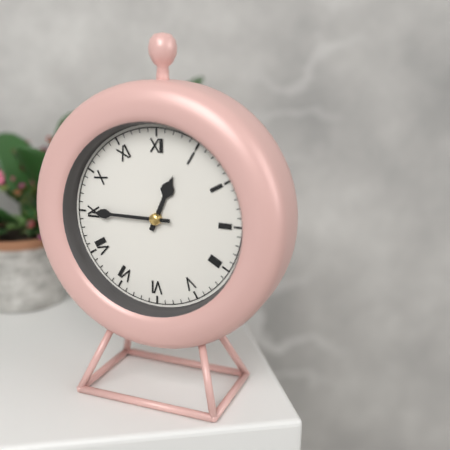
12:45
